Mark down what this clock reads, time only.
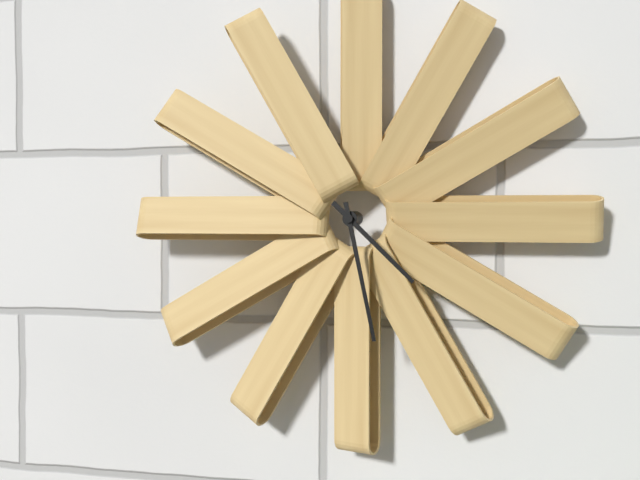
4:28
